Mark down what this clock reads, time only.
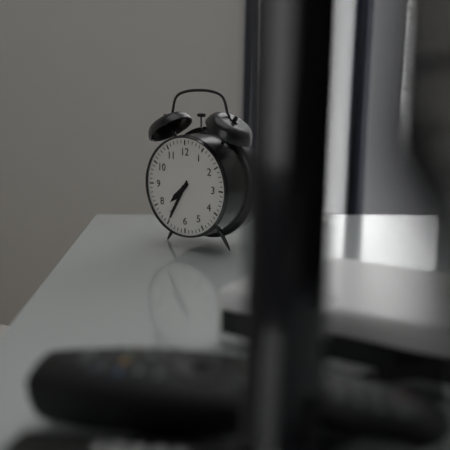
7:35
